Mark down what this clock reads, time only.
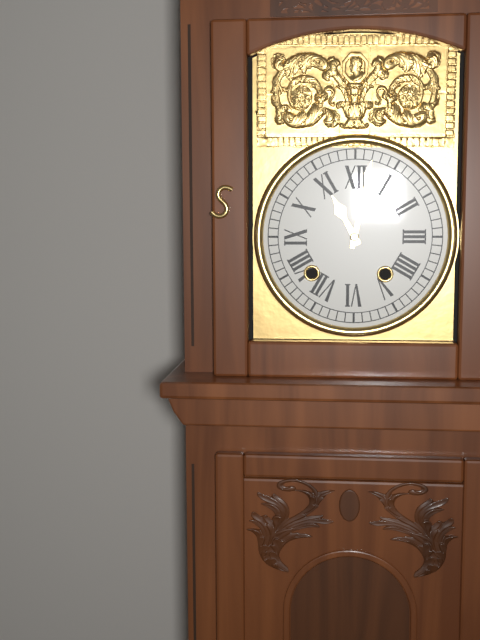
11:02
